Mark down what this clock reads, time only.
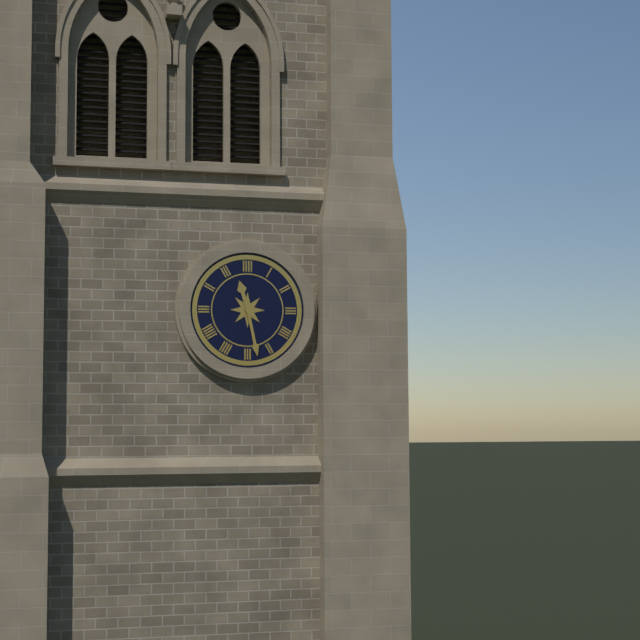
11:28
